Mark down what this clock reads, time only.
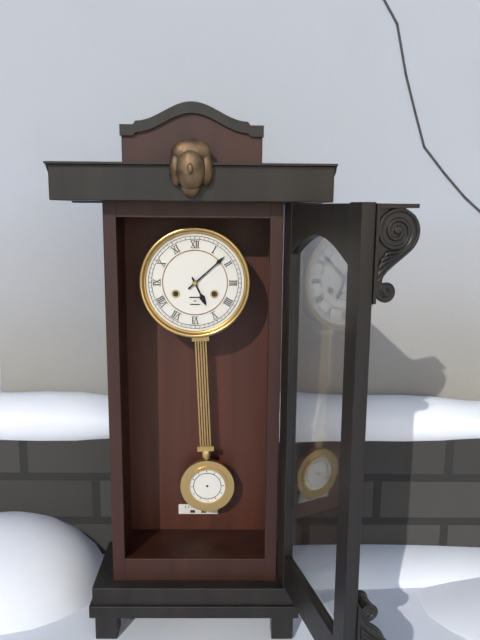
5:08
